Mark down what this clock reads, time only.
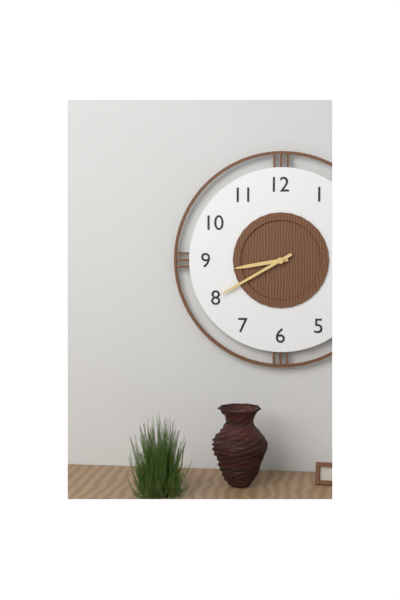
8:40
